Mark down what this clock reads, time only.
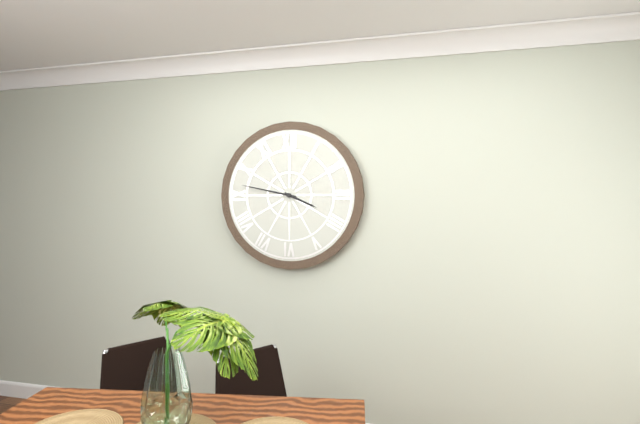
3:47
